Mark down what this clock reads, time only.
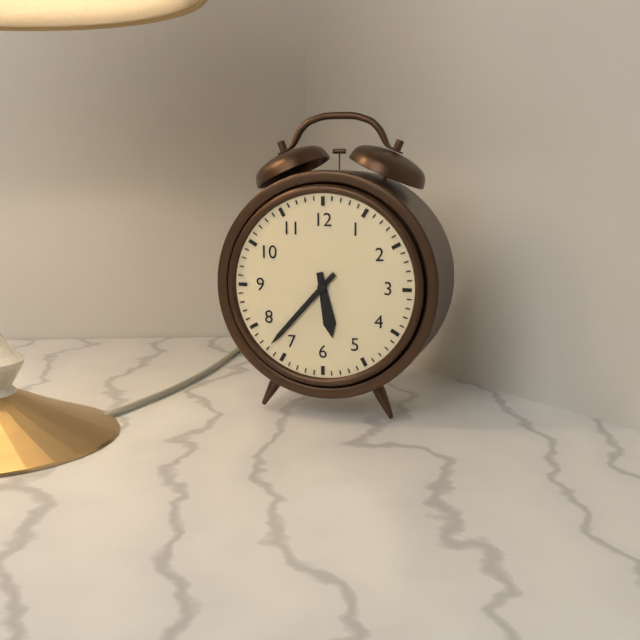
5:37
